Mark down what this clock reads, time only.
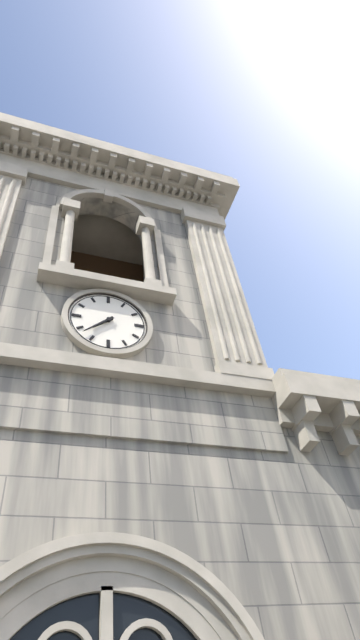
7:38
